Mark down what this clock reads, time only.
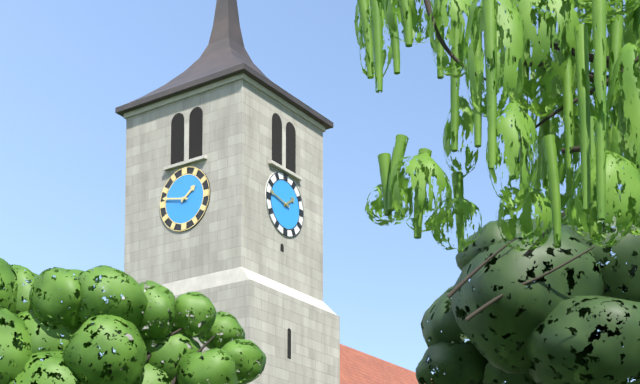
1:47
